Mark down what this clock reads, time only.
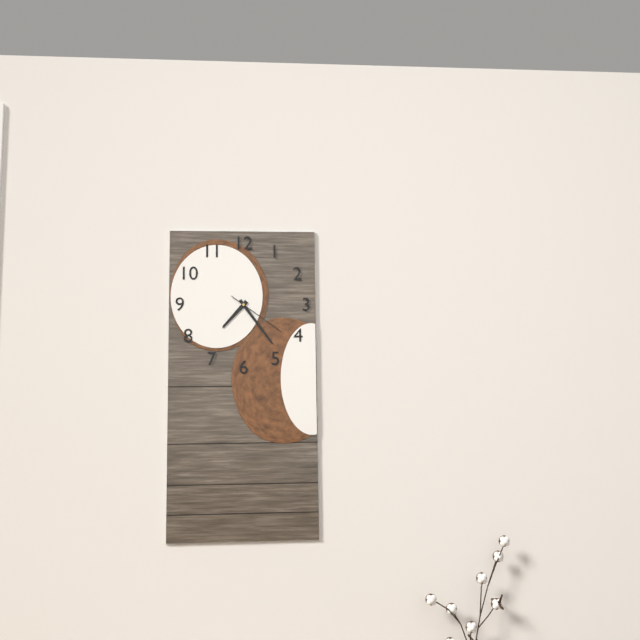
7:24:21
